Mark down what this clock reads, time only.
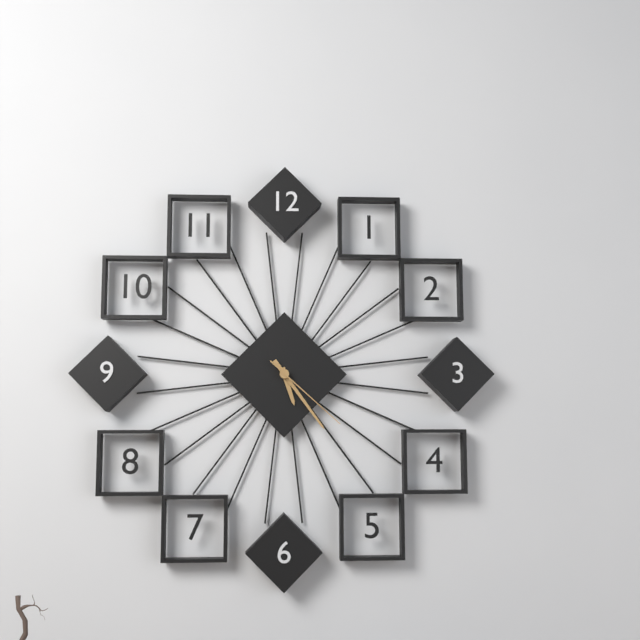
5:24:22
